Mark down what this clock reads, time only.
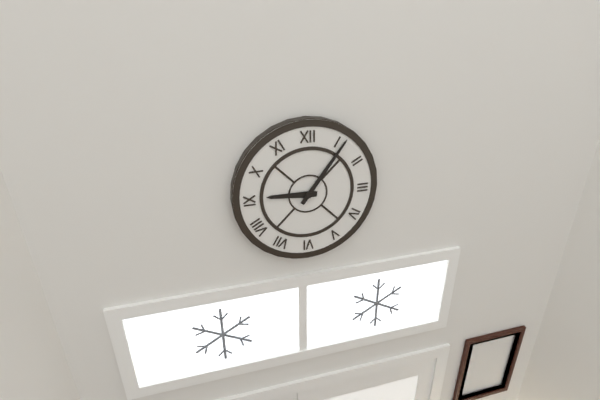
9:06
